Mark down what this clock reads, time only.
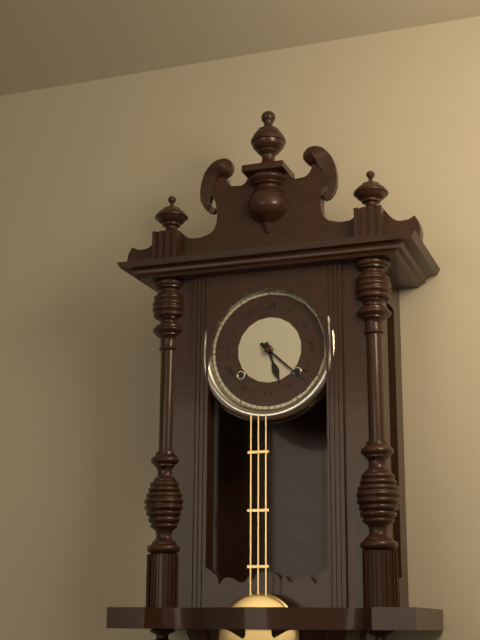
5:22
